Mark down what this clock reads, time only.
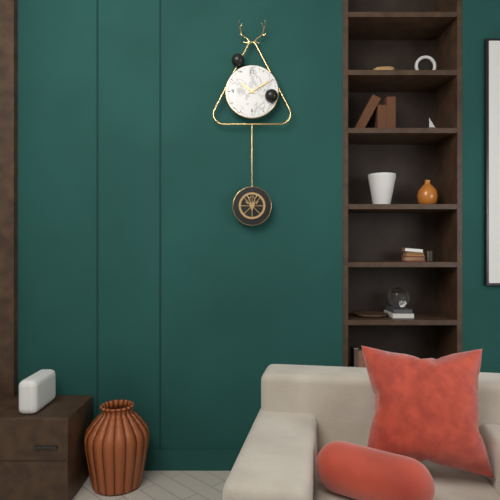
10:10
